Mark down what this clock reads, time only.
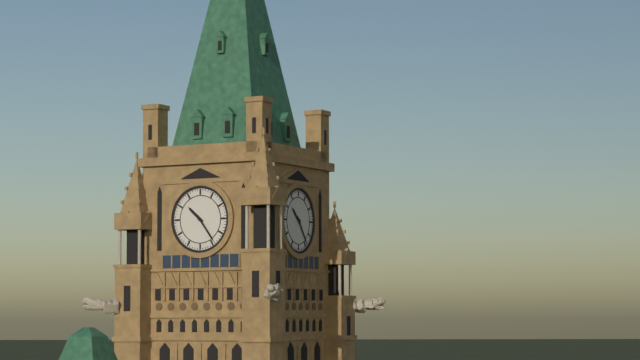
10:24
